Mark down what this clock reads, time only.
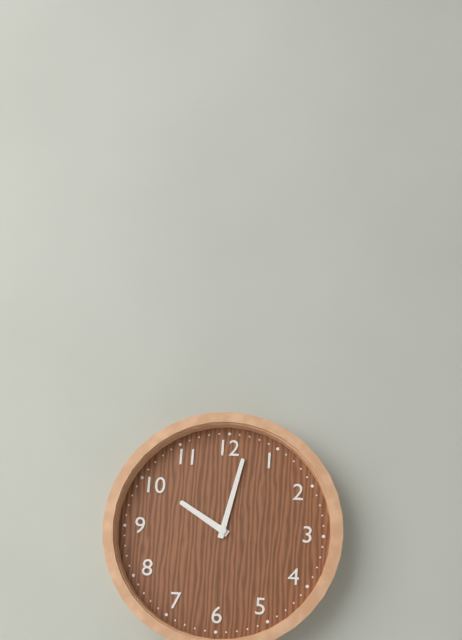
10:02
